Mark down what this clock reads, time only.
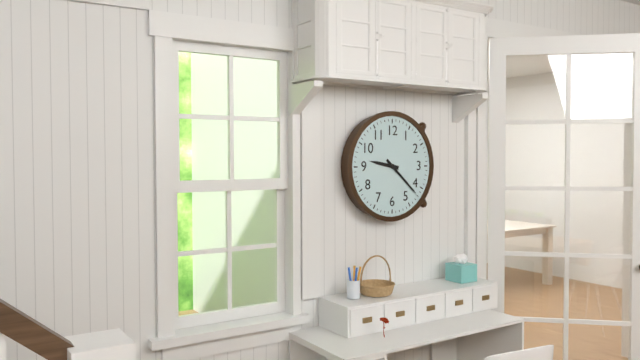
9:22
